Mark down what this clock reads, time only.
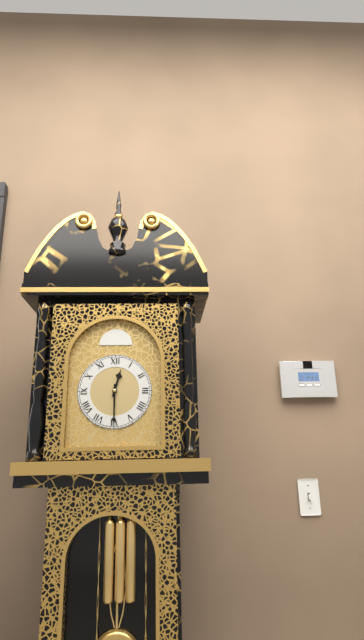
12:30
